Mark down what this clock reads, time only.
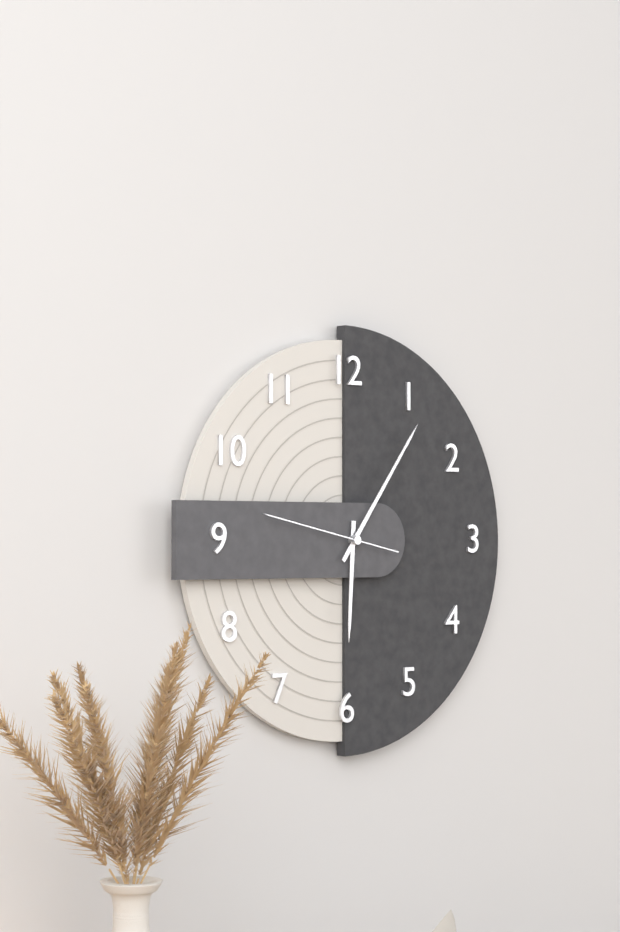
6:06:47
